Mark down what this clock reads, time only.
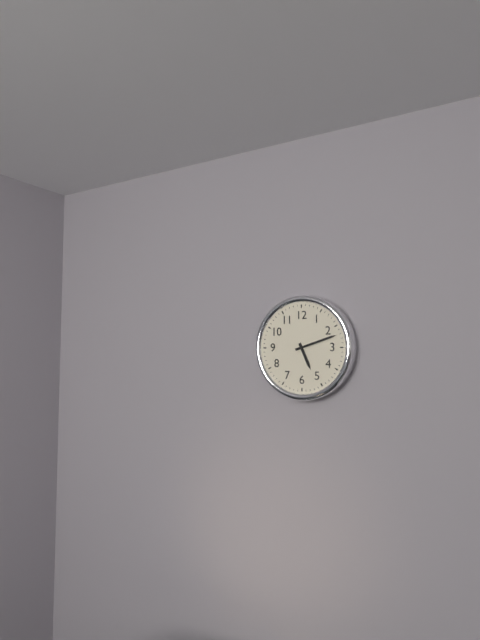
5:12
